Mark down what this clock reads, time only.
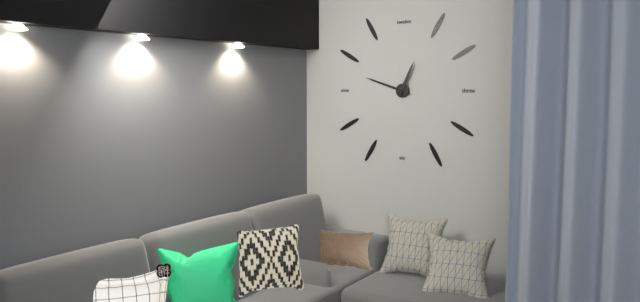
12:48
